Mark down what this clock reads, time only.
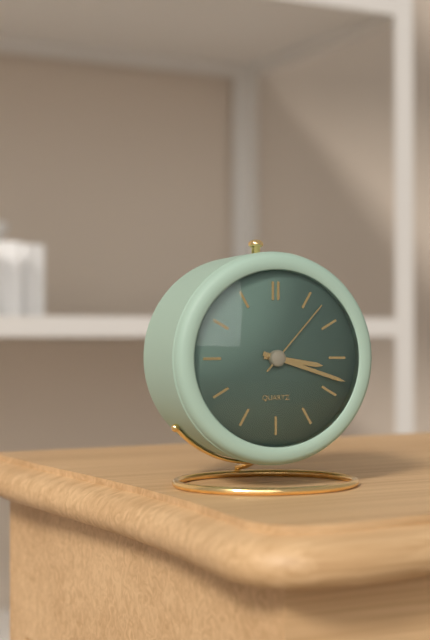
3:18:07
